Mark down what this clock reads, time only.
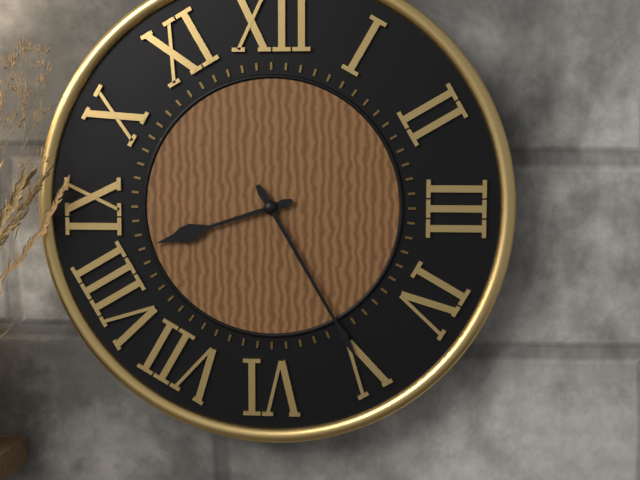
8:25
